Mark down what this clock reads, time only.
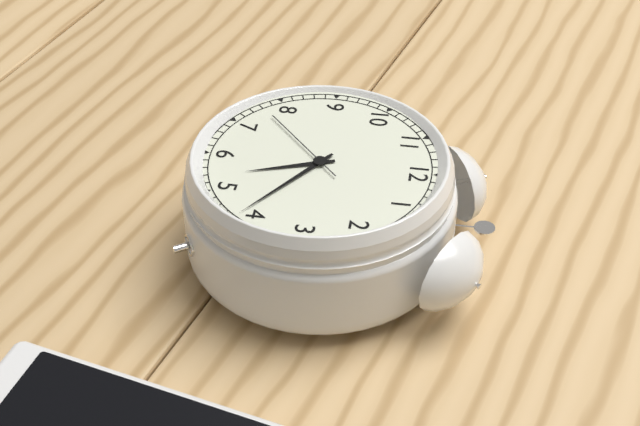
5:21:38
